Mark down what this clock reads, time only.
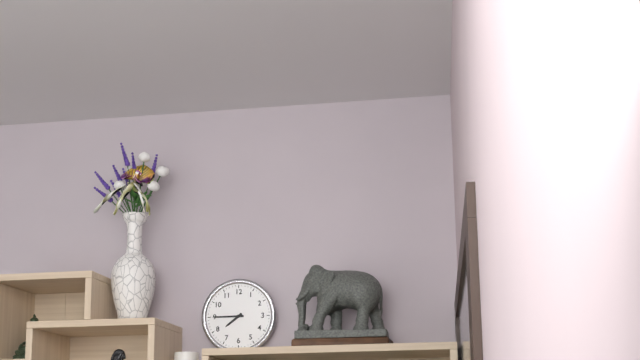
7:45
